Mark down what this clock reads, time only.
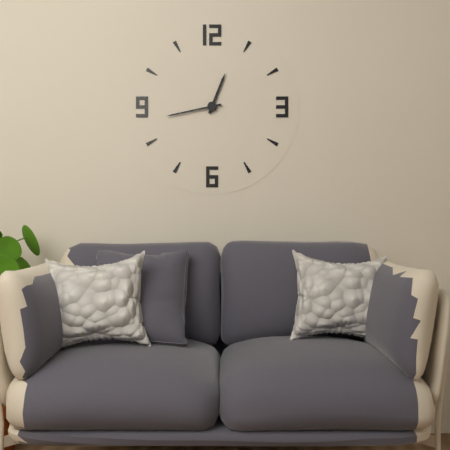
12:43
